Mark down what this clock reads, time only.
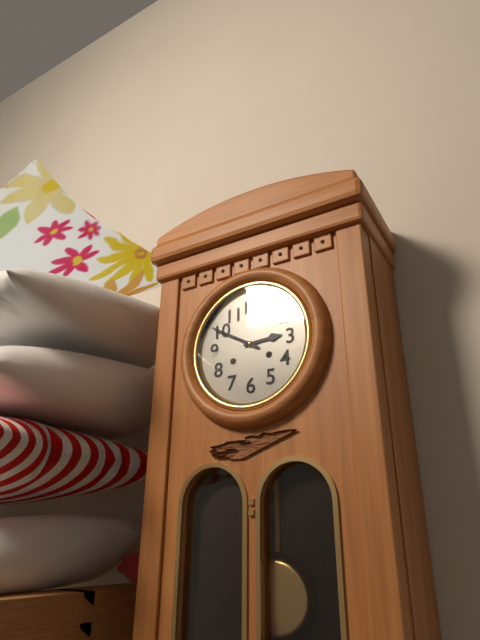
2:50
